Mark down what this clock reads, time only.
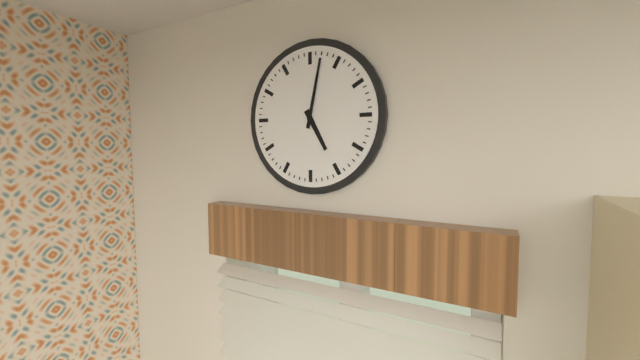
5:02
